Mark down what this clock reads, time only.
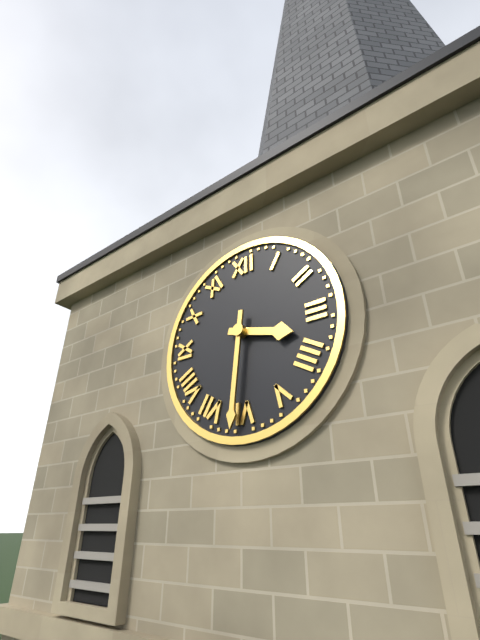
3:31
